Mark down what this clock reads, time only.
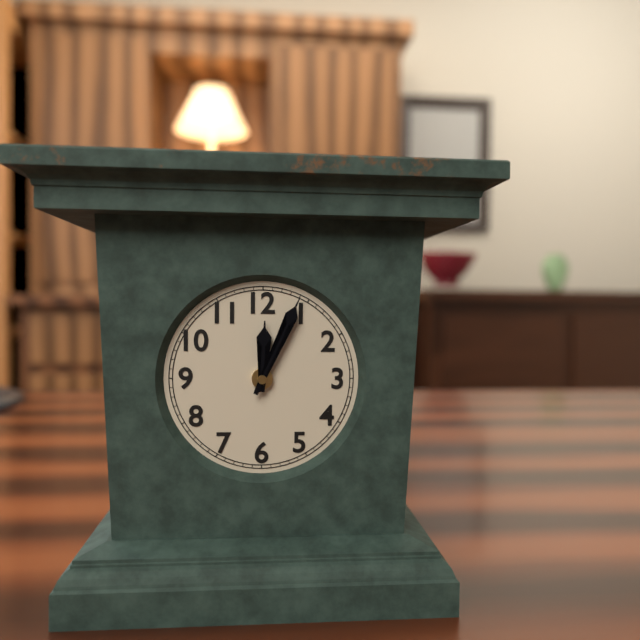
12:04
